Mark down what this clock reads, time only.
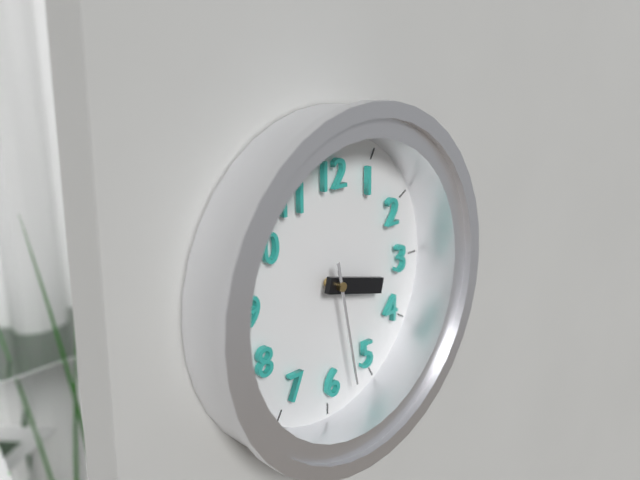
3:28
